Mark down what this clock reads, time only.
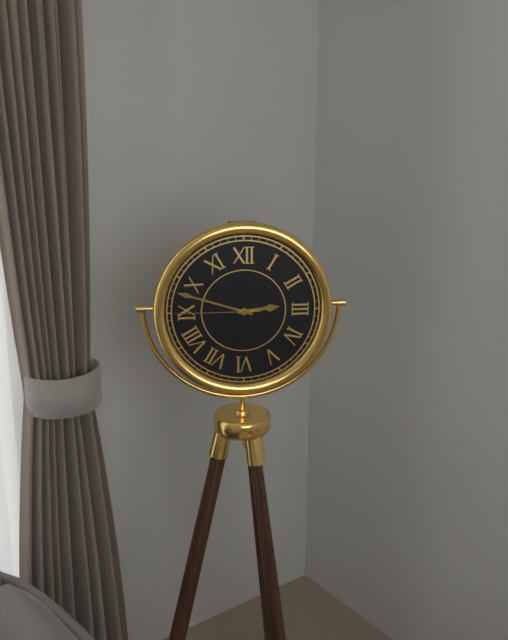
2:48:45
